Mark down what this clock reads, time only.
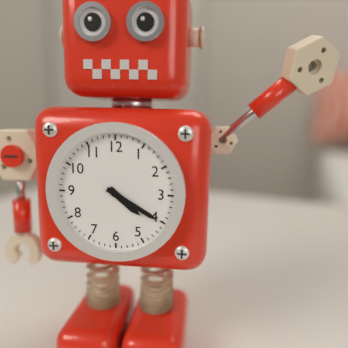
4:20
